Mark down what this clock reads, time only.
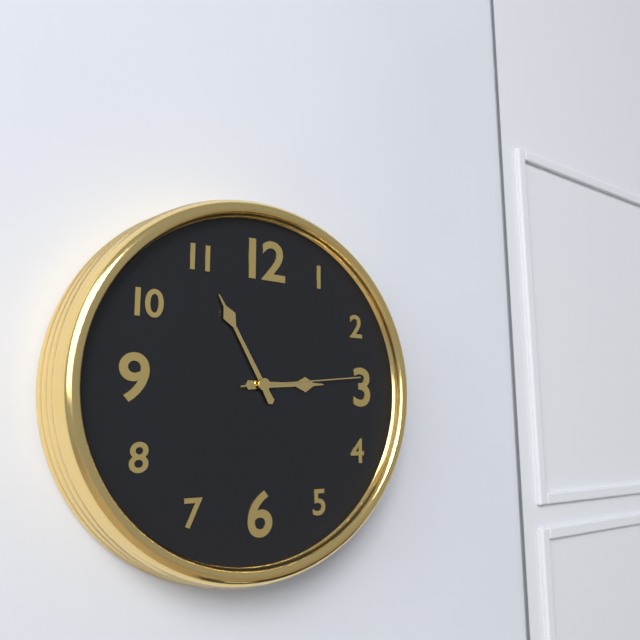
2:55:14
